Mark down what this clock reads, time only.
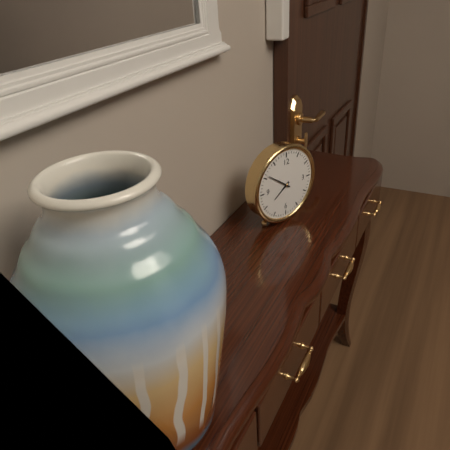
7:51
